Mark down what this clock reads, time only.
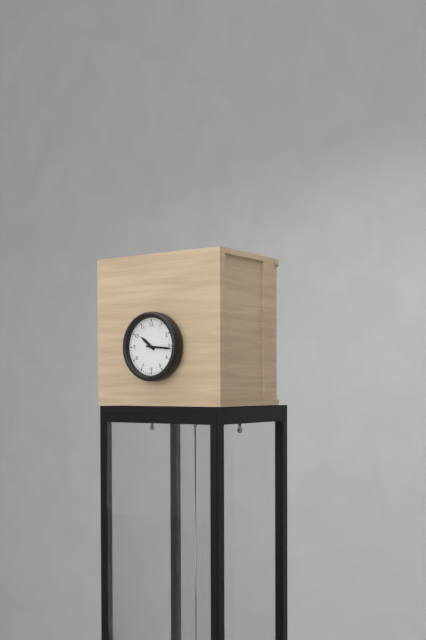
10:16
